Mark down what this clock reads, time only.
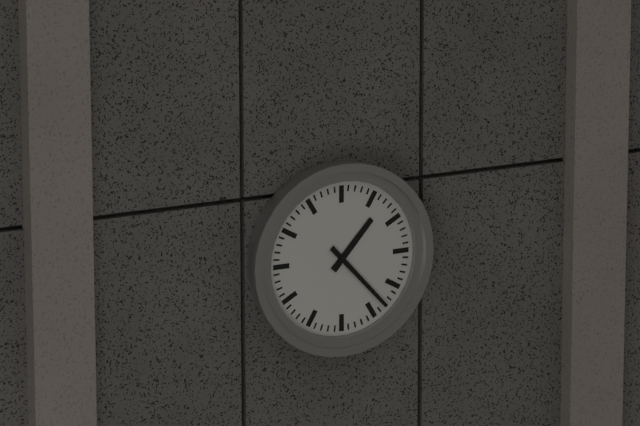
1:23
